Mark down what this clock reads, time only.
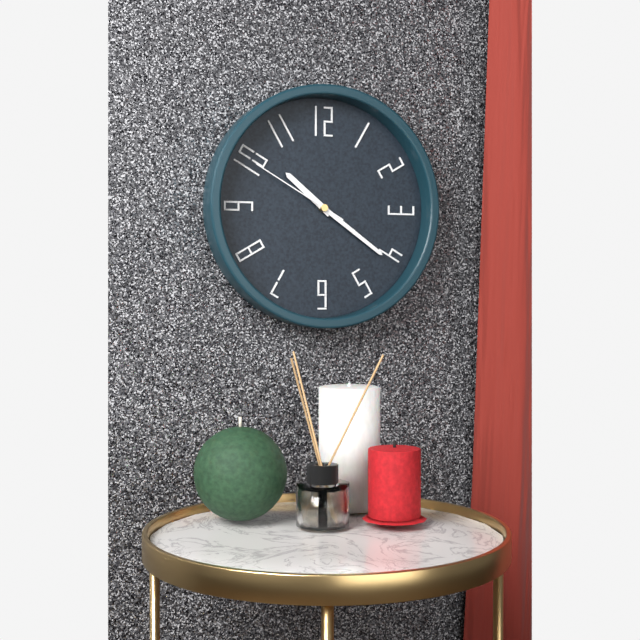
10:21:50
